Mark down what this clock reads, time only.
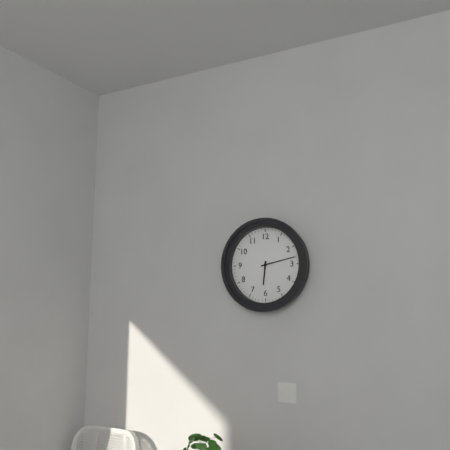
6:13
